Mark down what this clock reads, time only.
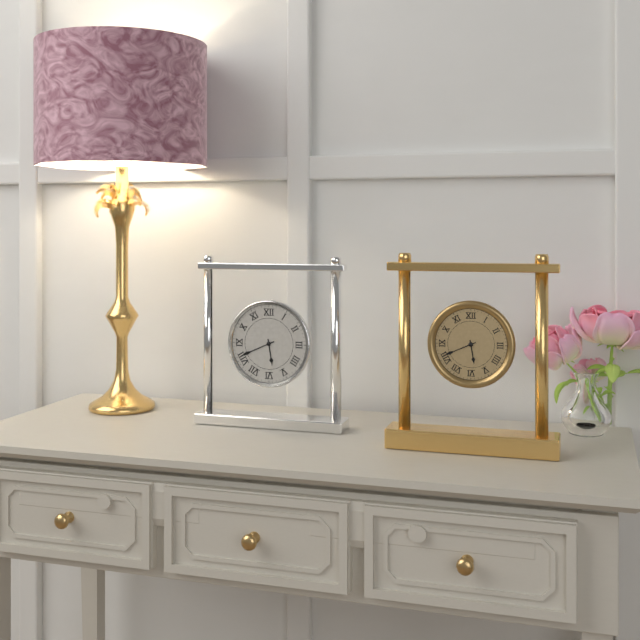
5:41
